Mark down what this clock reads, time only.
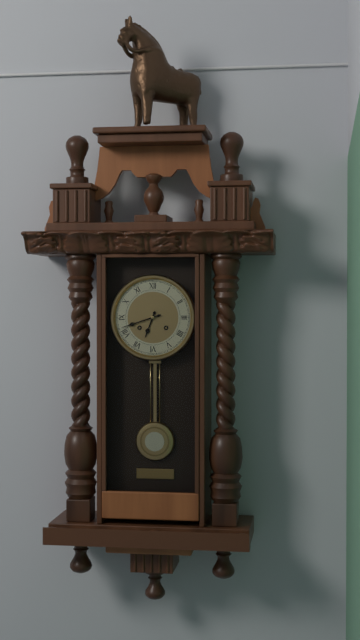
6:42
